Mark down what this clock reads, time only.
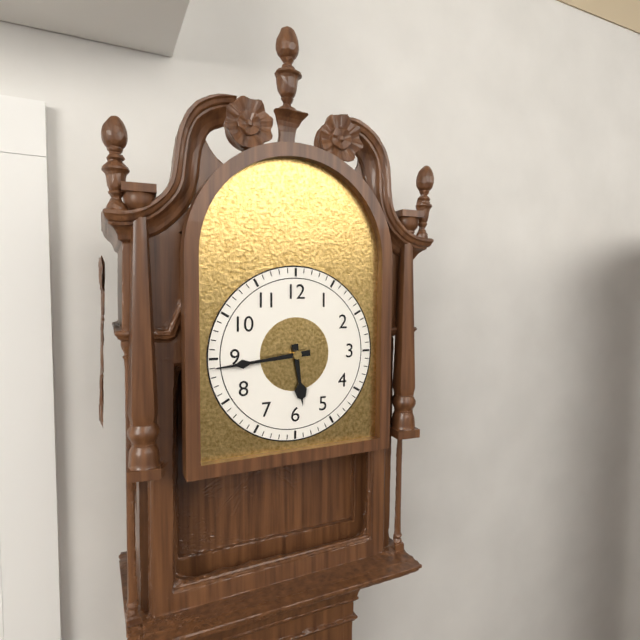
5:44
